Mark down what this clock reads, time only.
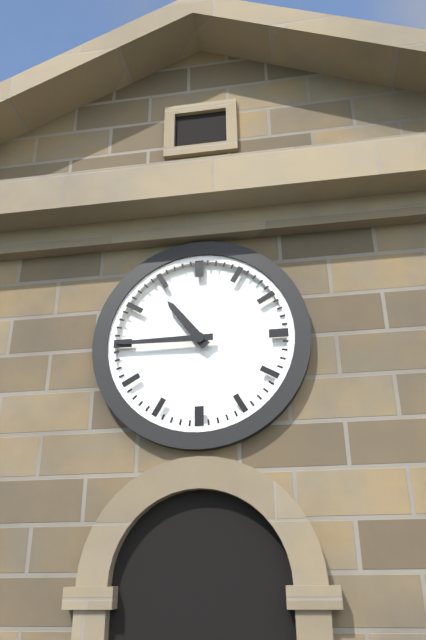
10:45
